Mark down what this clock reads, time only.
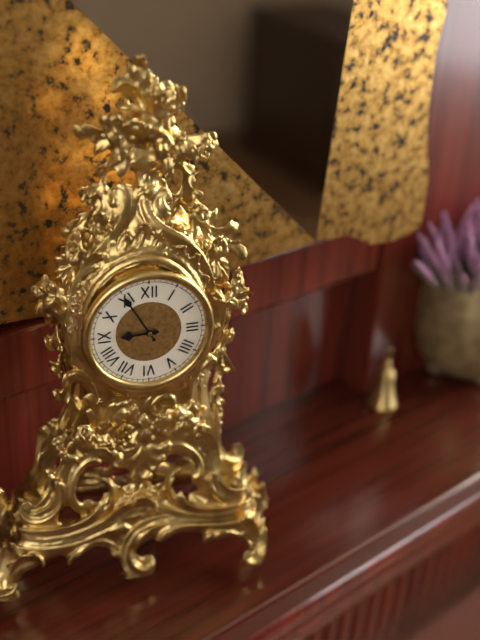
8:55
